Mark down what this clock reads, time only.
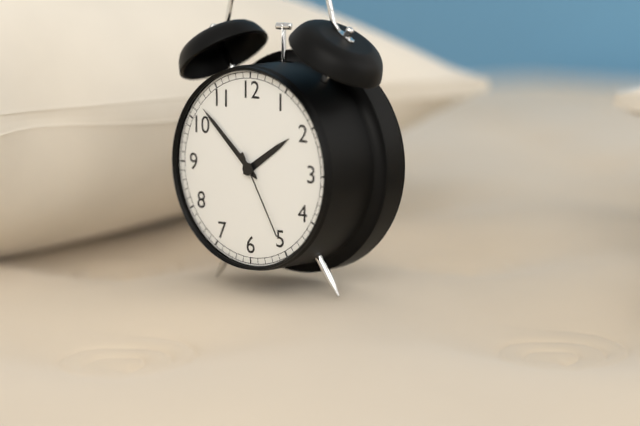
1:52:25
